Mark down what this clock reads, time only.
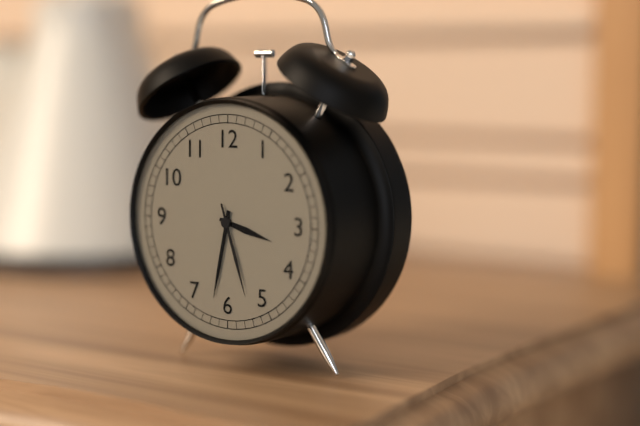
3:32:27
